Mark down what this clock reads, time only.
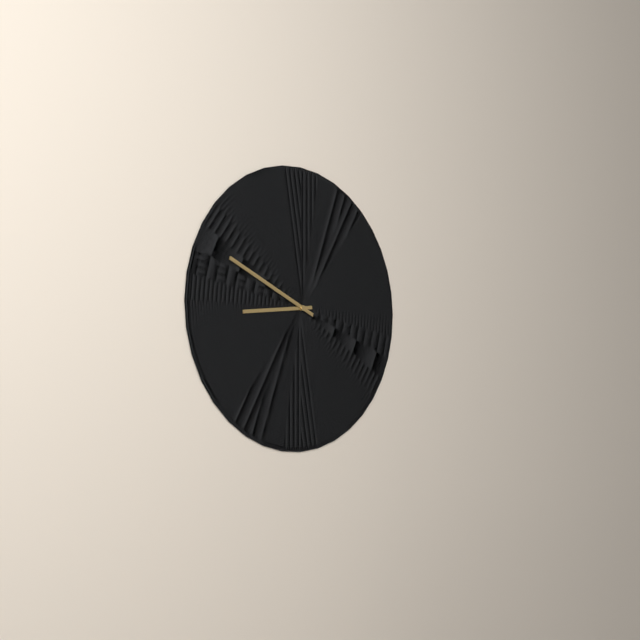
8:49
